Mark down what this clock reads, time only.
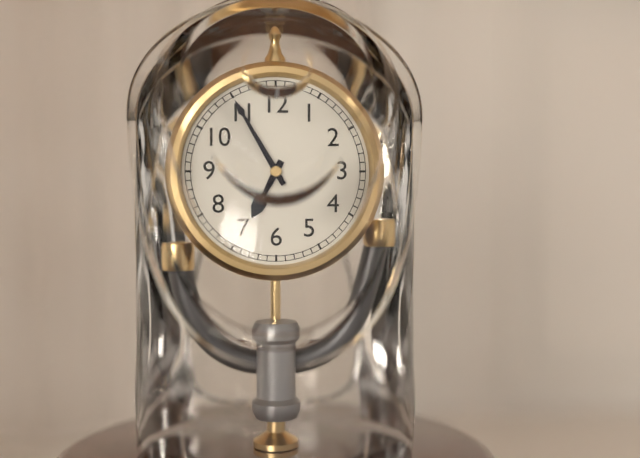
6:55
